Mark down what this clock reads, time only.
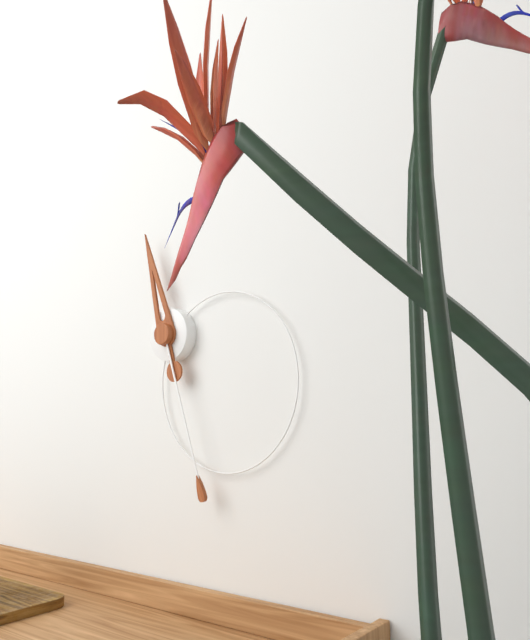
11:27
